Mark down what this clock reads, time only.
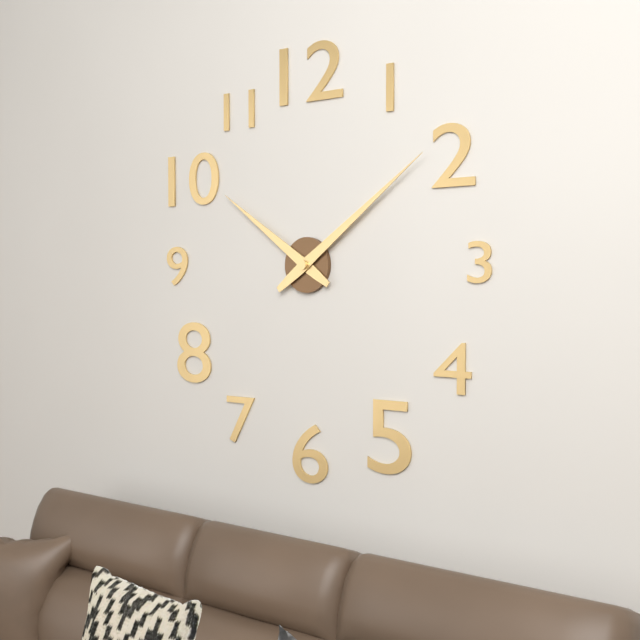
10:09
